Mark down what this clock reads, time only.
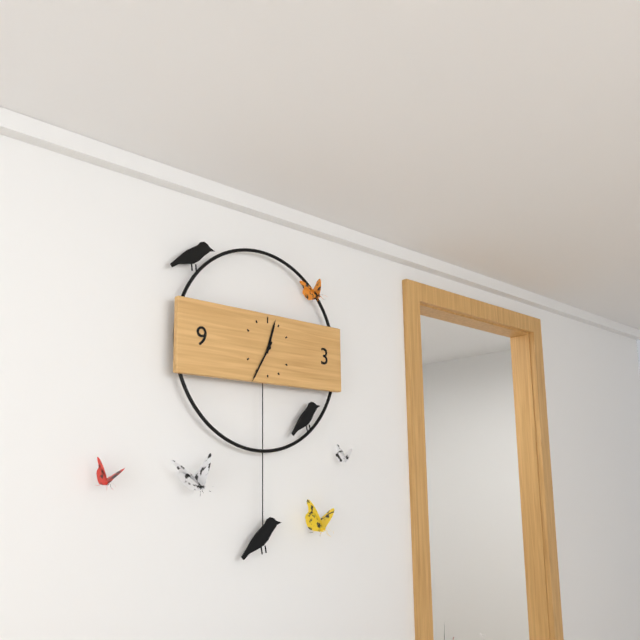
12:35
